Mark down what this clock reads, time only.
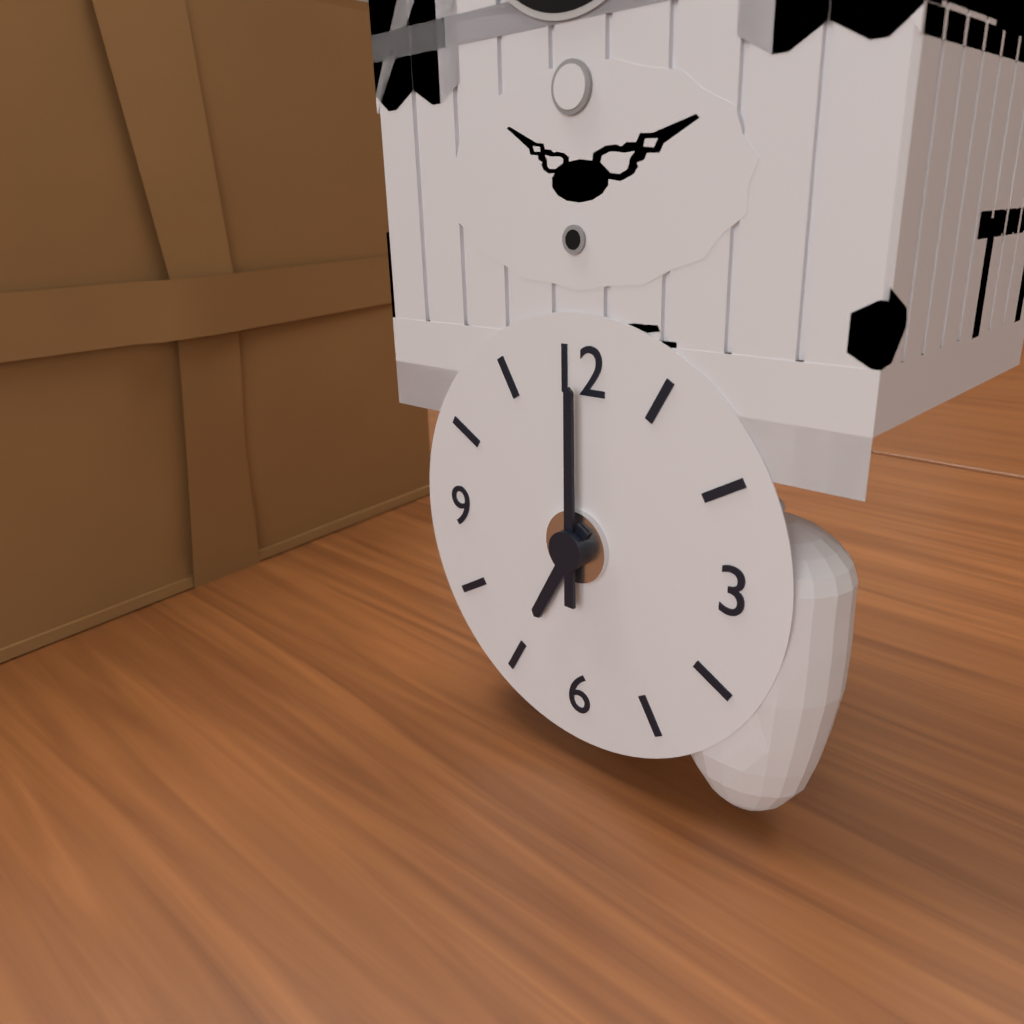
7:00
